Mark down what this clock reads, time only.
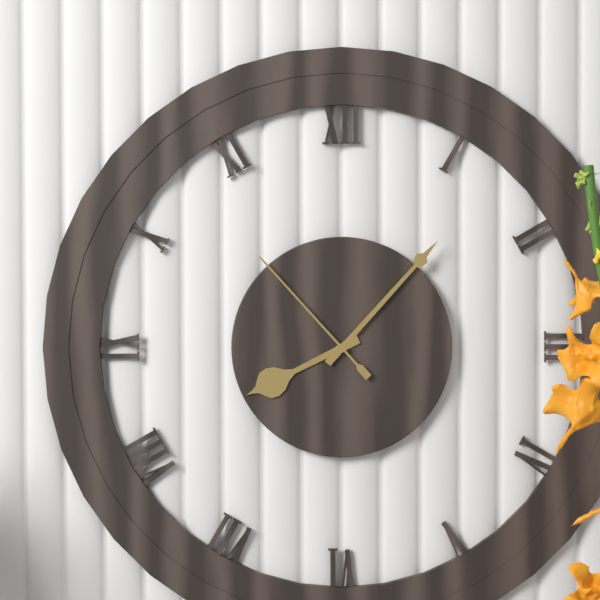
8:07:53
